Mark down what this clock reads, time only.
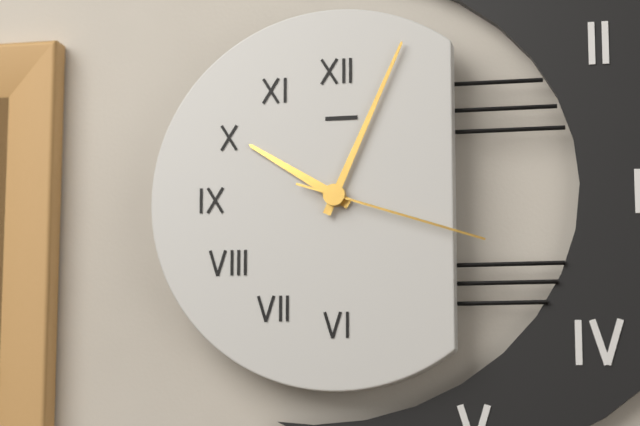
10:04:18
